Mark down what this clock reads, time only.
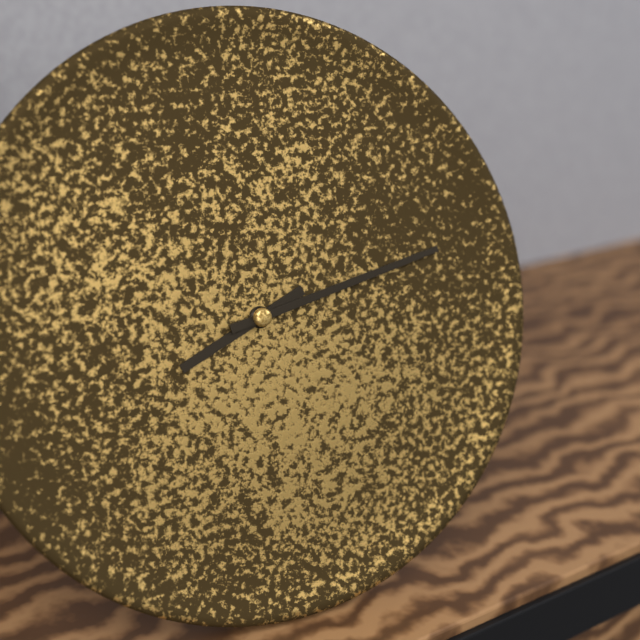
8:13
